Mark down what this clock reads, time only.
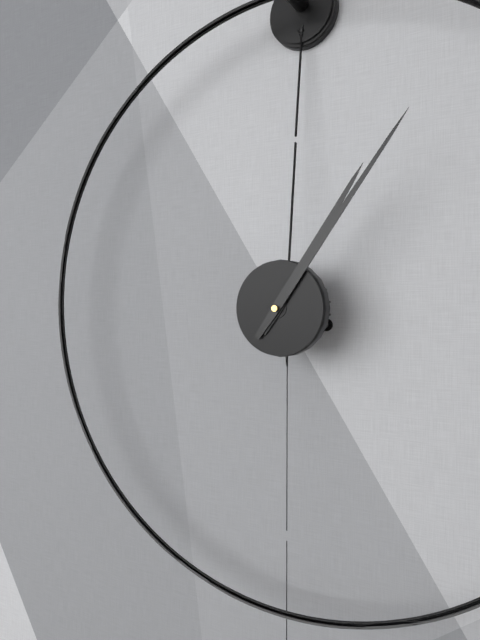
1:06
